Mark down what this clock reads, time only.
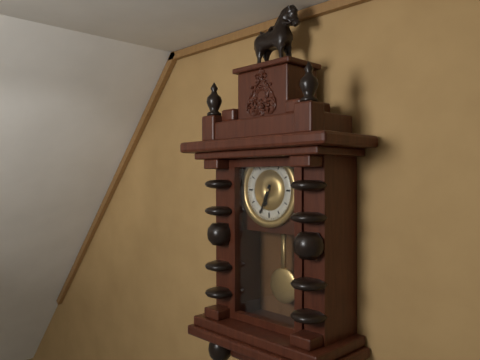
6:34
